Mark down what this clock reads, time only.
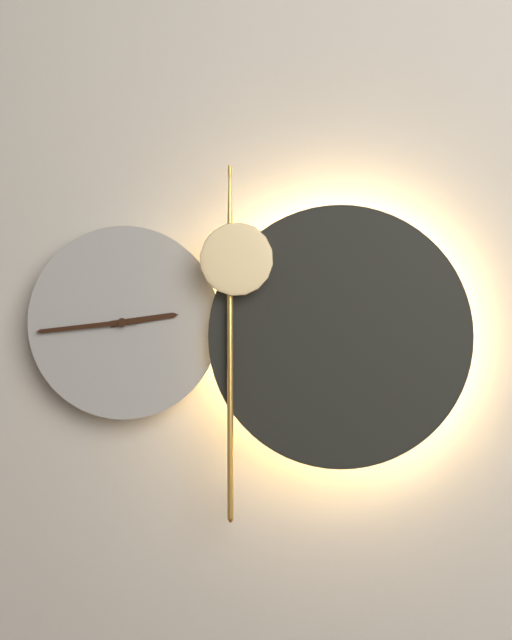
2:44
